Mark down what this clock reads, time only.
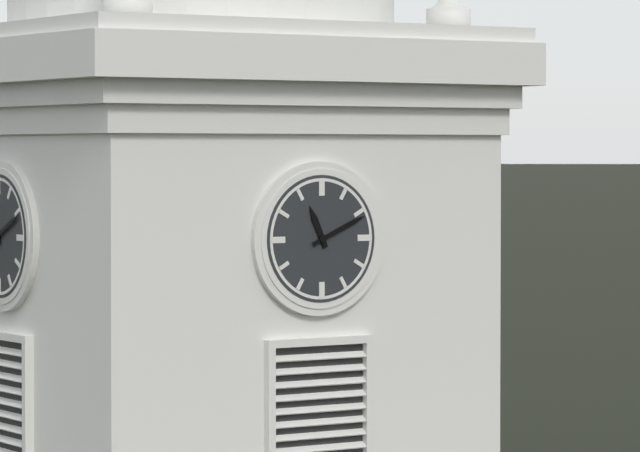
11:11
